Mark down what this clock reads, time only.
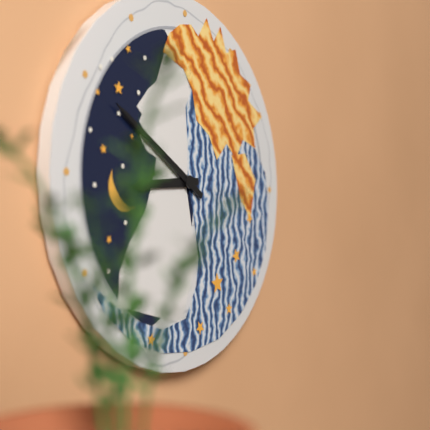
8:50
